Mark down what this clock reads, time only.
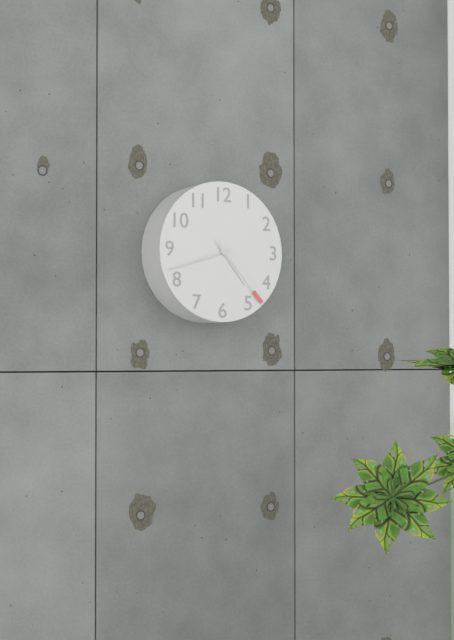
4:42:23
